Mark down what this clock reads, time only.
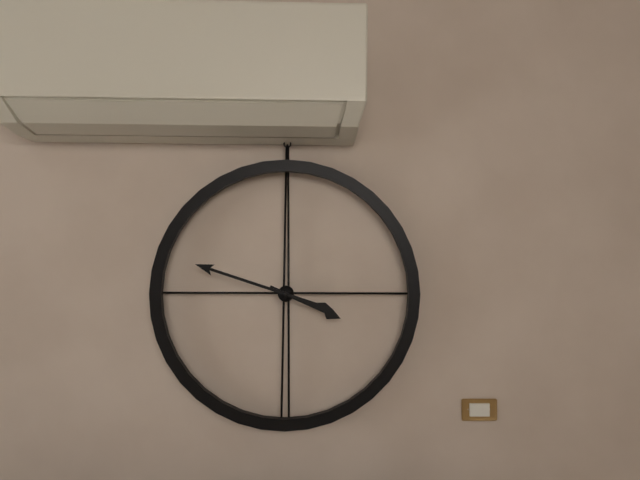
3:48
